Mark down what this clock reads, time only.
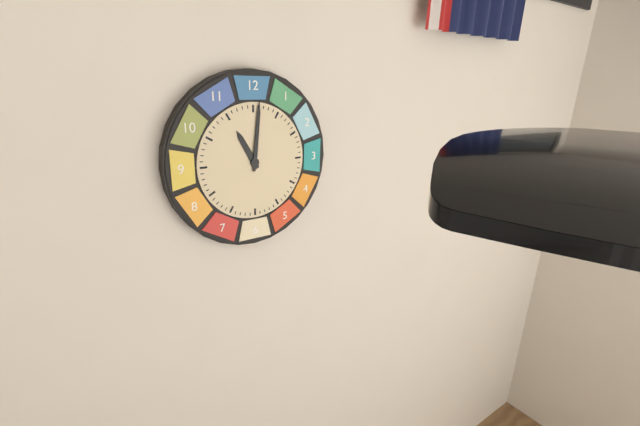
11:01
